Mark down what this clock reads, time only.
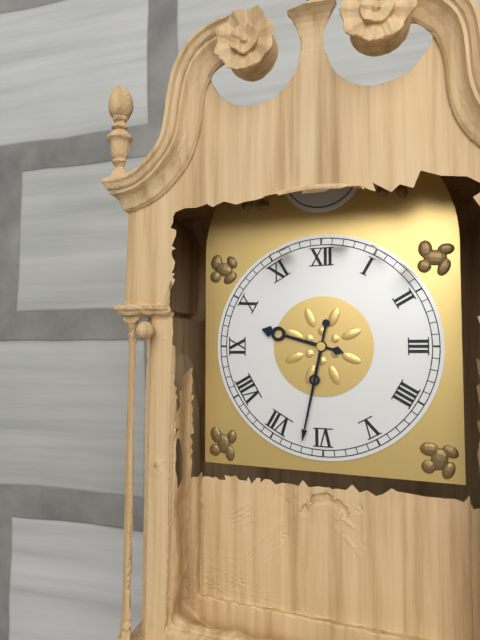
9:32
